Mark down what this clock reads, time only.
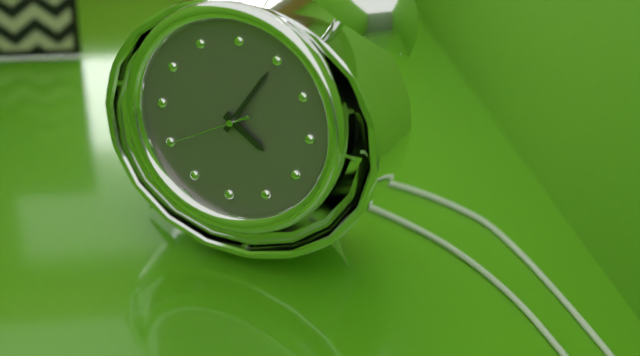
4:05:40
